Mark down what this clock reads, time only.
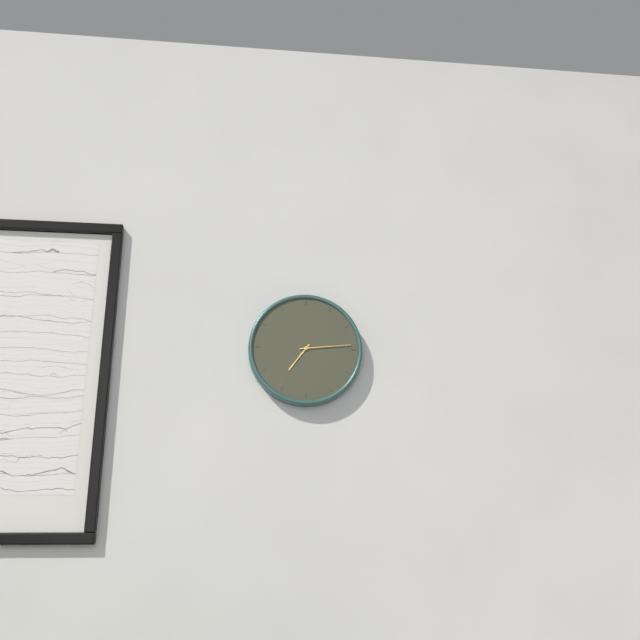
7:14
